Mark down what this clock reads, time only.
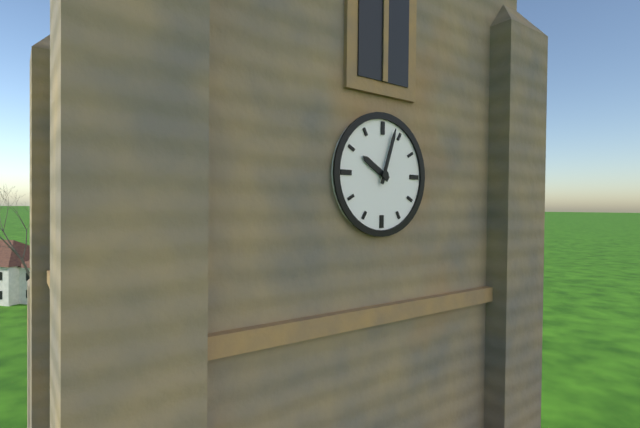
10:03
